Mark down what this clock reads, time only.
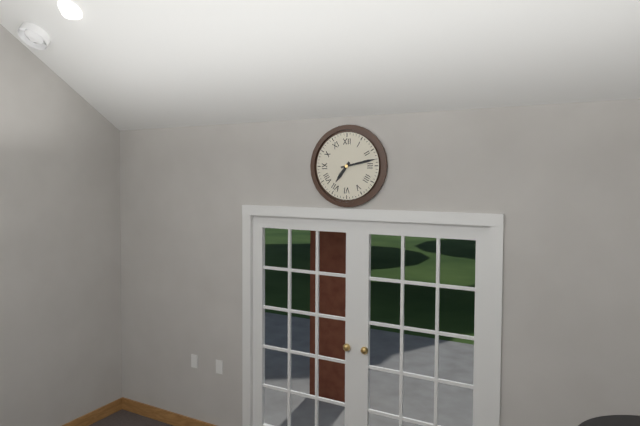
7:13
